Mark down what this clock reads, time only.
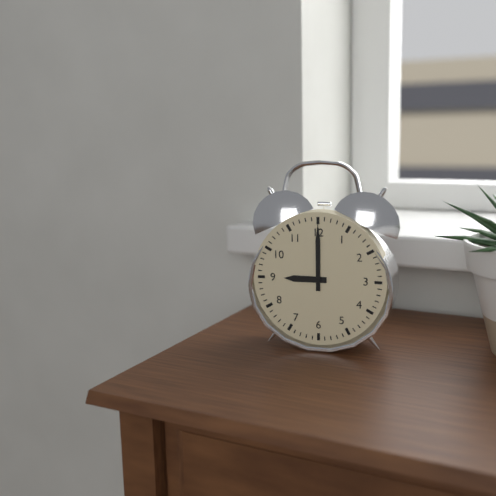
9:00
